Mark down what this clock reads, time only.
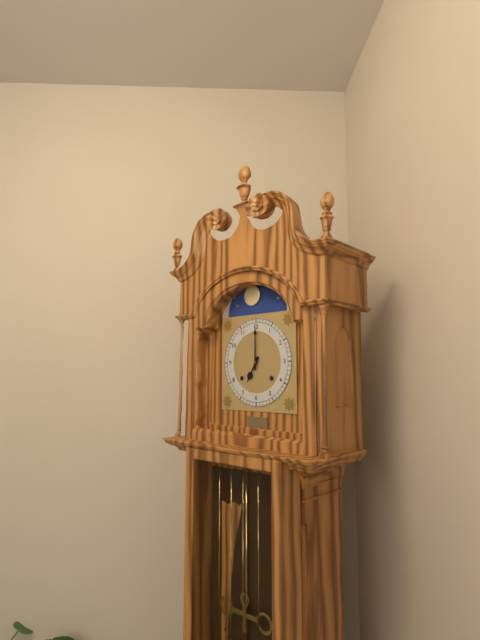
7:00
